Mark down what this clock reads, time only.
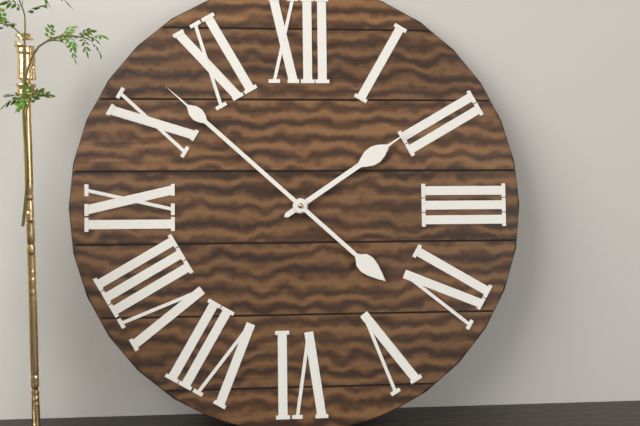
1:52
